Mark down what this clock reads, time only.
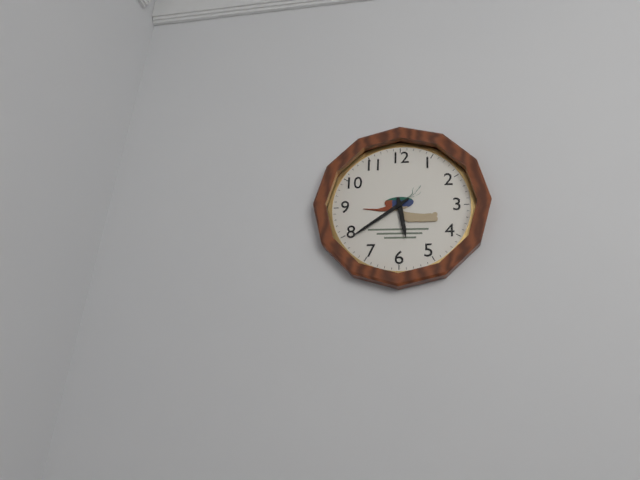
5:39
